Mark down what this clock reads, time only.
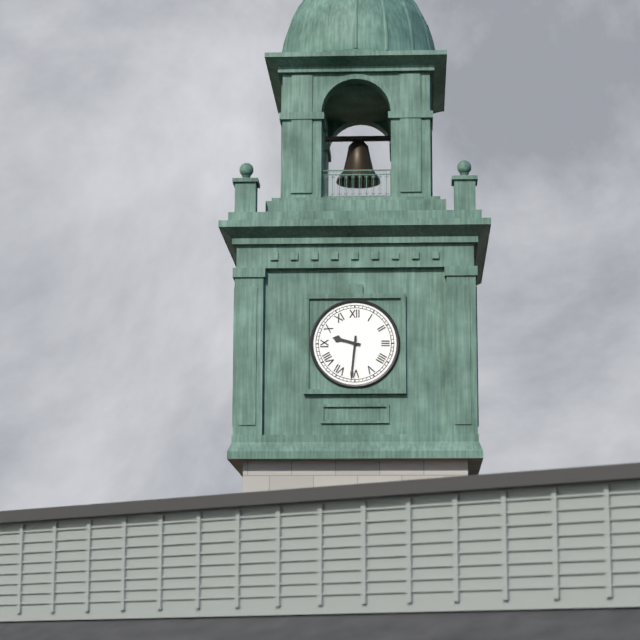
9:31
